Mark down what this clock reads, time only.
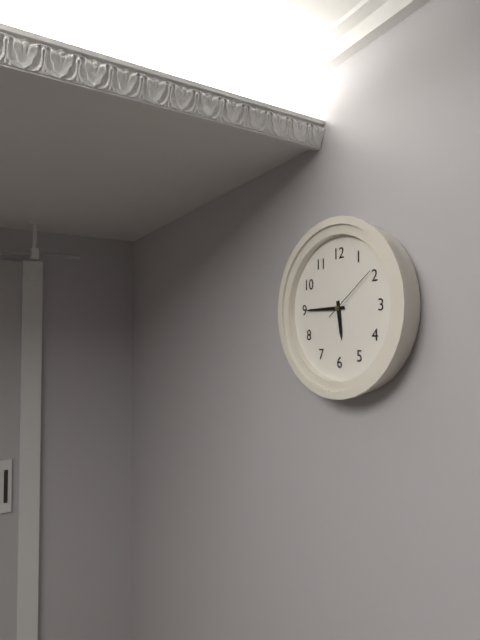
5:45:09
